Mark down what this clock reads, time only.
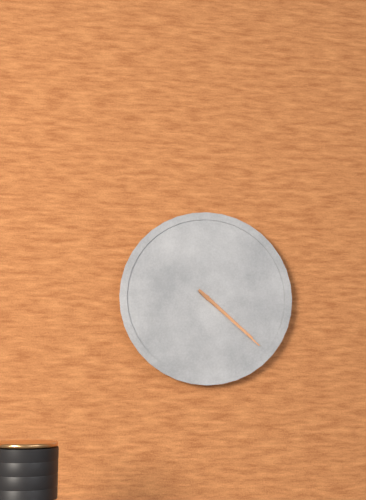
4:22
